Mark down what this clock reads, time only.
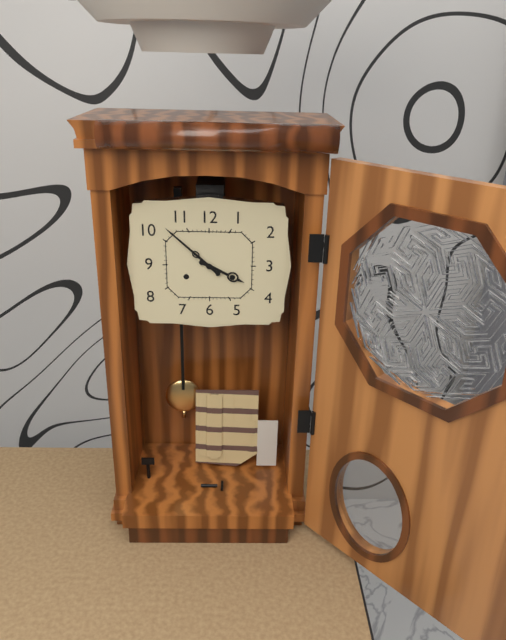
3:52
